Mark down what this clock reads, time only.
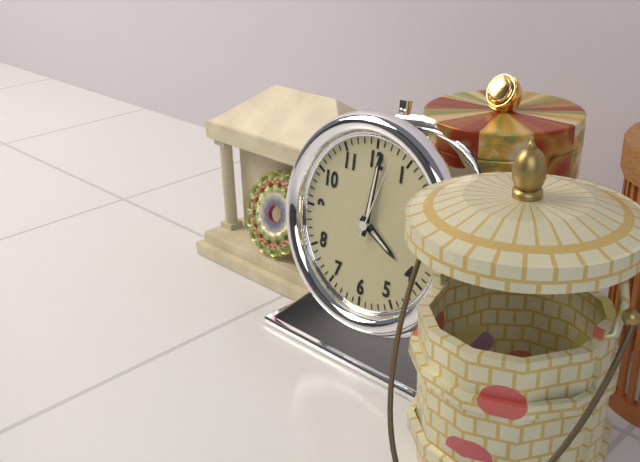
4:01:03
